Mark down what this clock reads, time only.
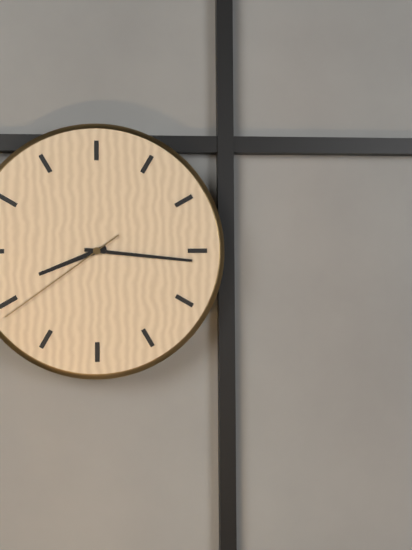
8:16:39
